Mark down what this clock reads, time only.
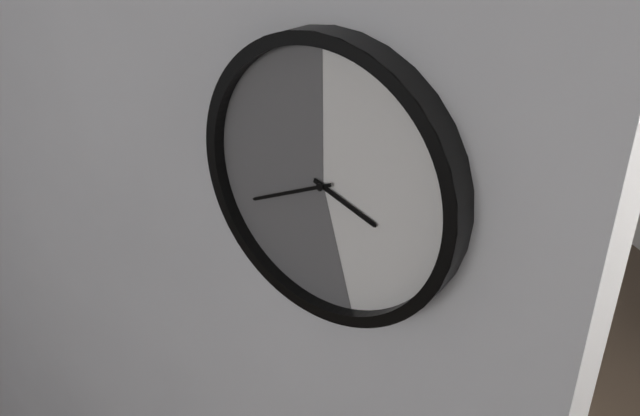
3:41
